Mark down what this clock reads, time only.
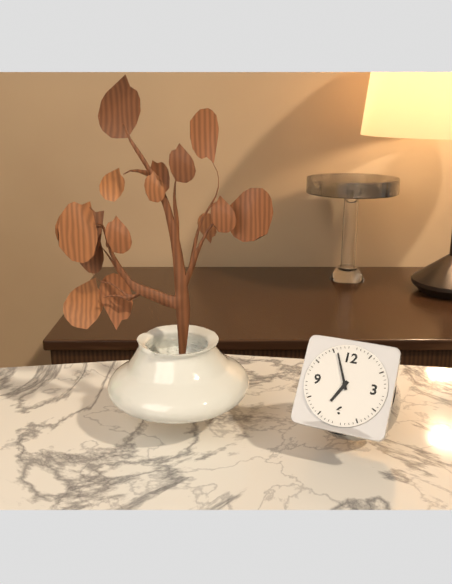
6:56
